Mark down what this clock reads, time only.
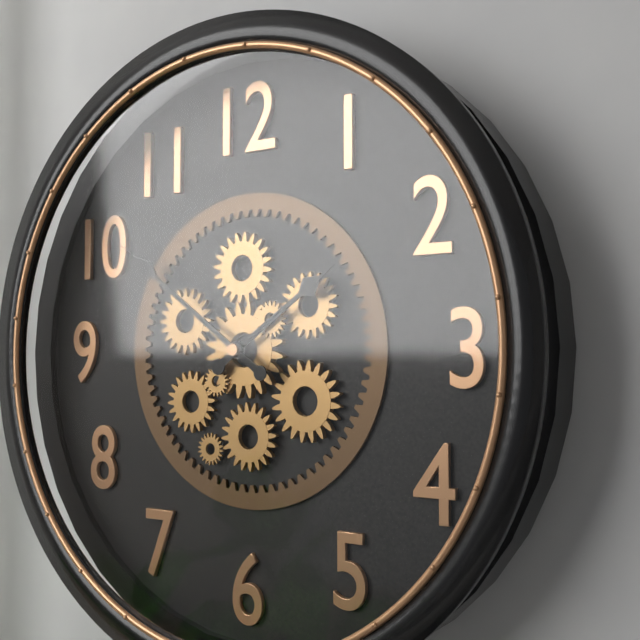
1:51
